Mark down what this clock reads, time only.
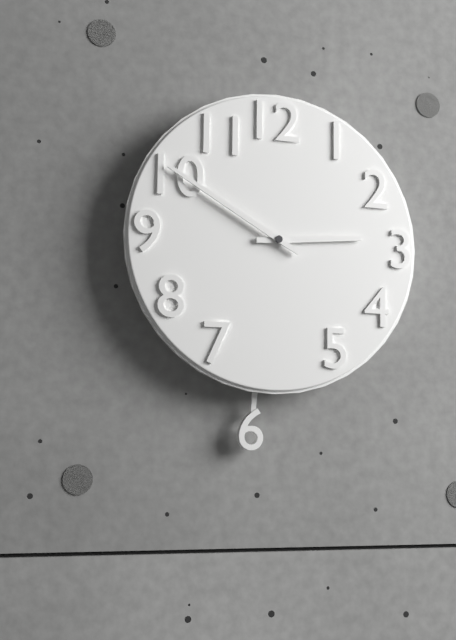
2:50
